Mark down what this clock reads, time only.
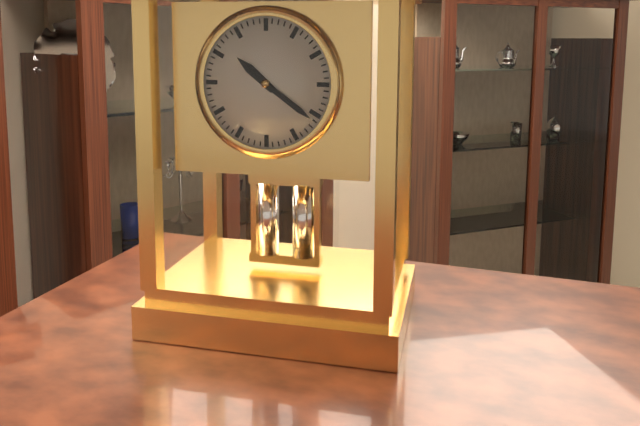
10:21
